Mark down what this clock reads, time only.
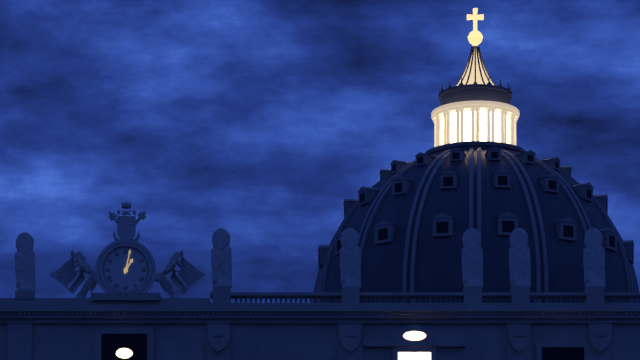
1:02
